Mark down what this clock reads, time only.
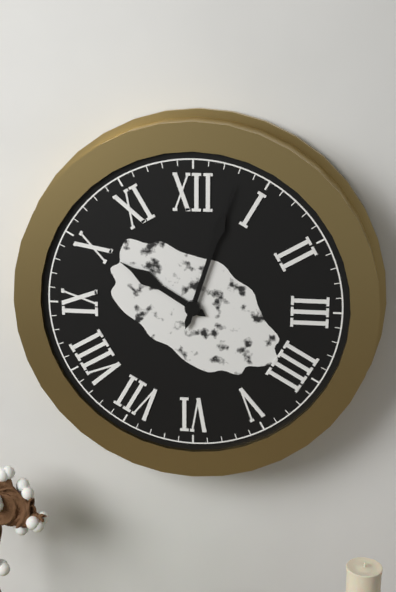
10:03
